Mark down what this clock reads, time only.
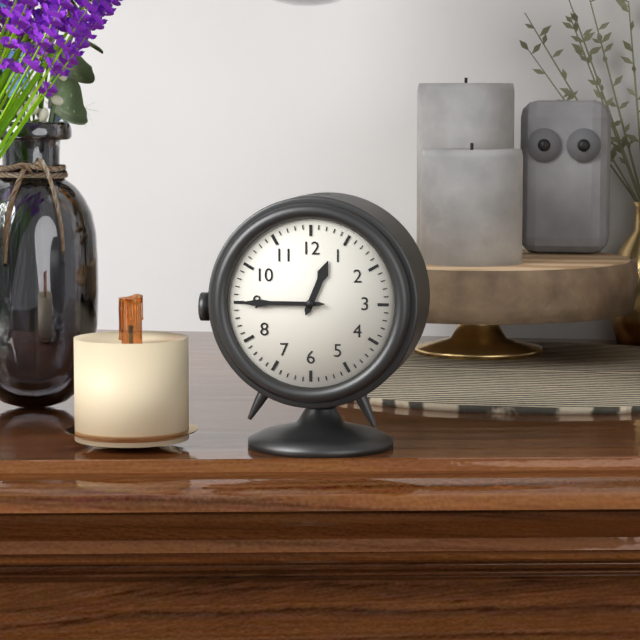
12:45
